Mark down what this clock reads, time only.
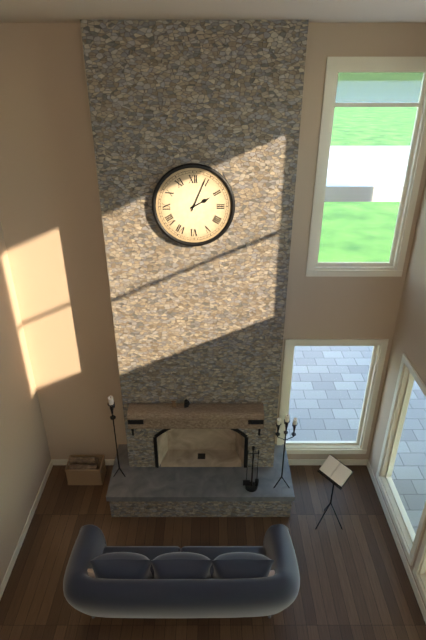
2:04
